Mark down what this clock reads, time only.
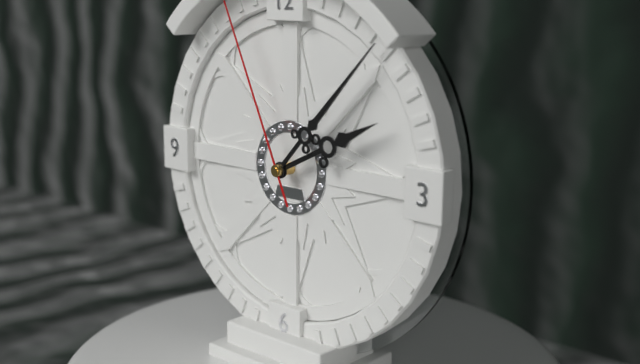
2:07:56
